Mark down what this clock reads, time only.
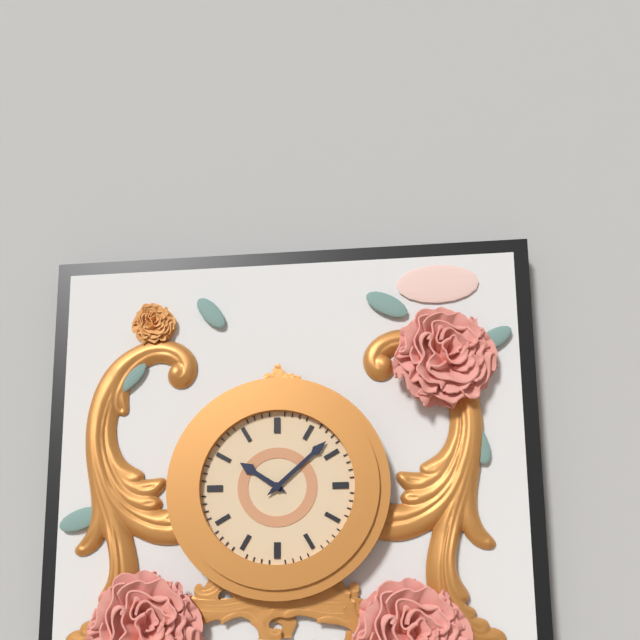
10:08
